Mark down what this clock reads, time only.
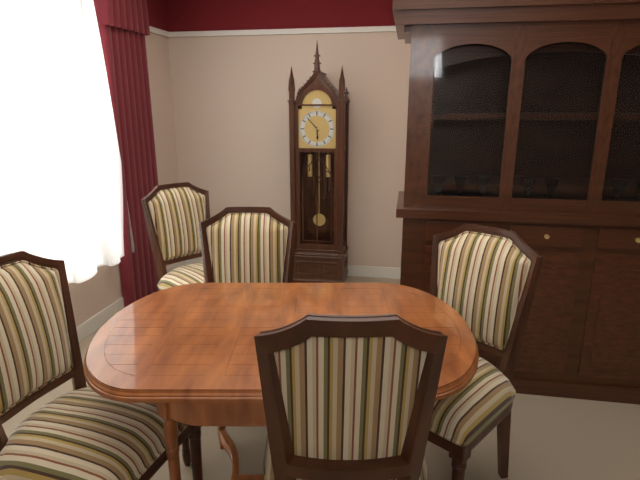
5:53
